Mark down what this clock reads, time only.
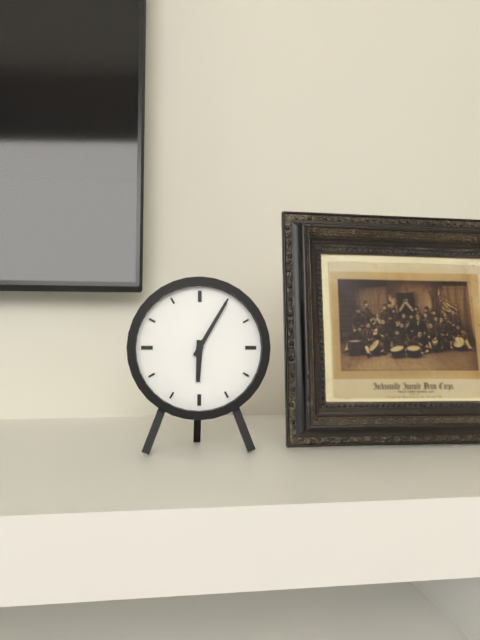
6:05
